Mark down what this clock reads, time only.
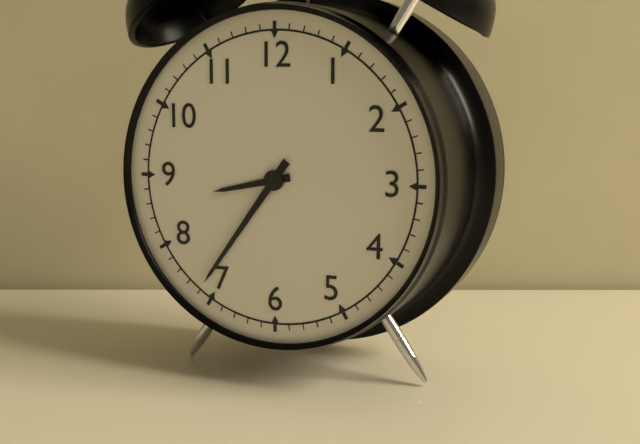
8:36
